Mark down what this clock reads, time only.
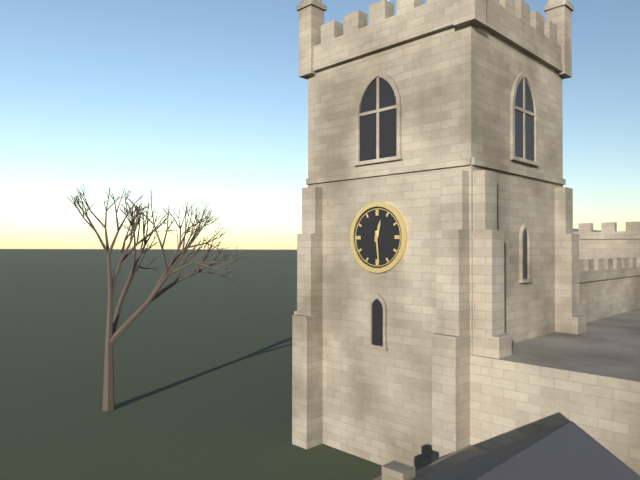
12:29
